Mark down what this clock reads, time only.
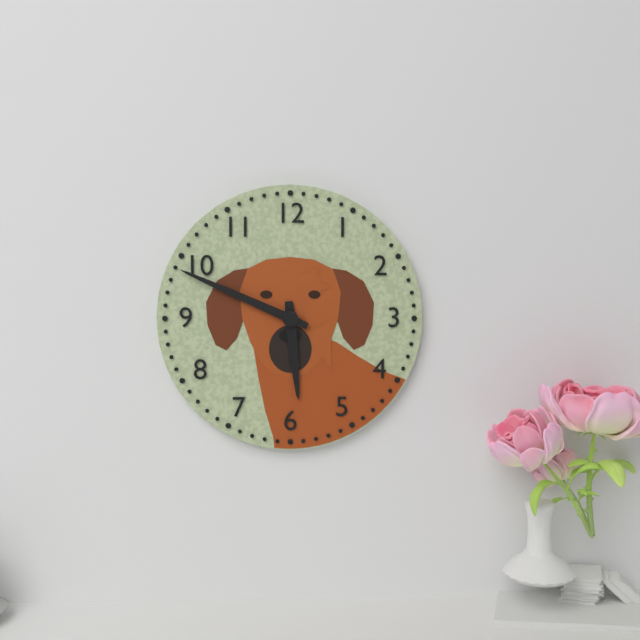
5:49
